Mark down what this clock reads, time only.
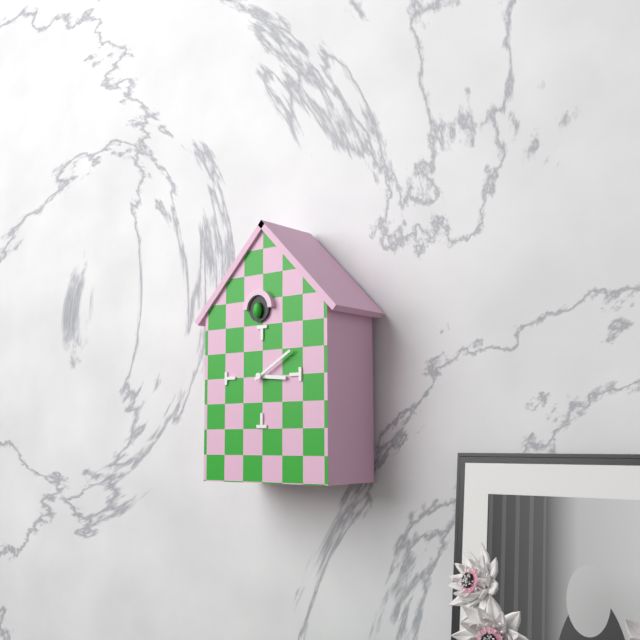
3:10
